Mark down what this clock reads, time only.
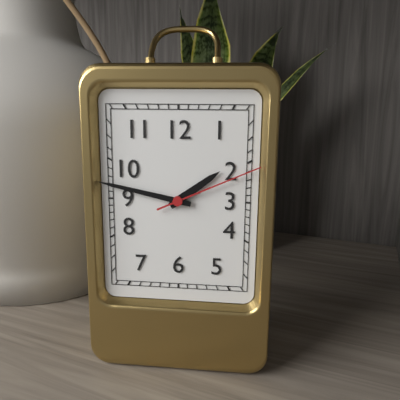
1:47:11
